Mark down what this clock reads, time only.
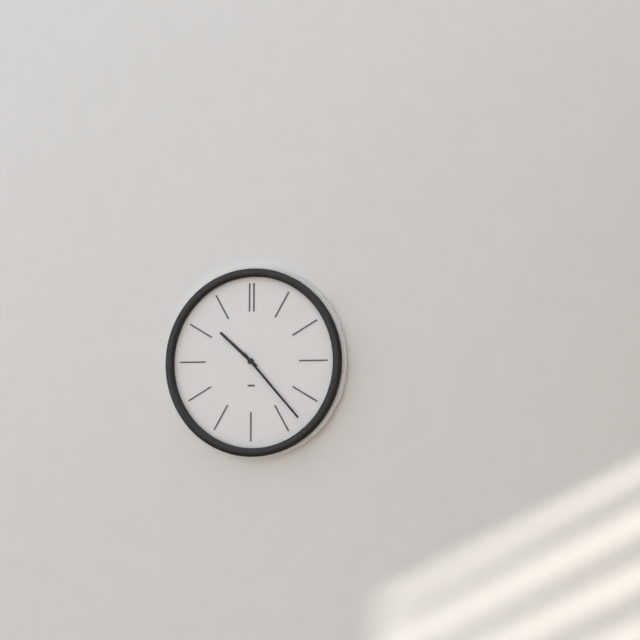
10:23
